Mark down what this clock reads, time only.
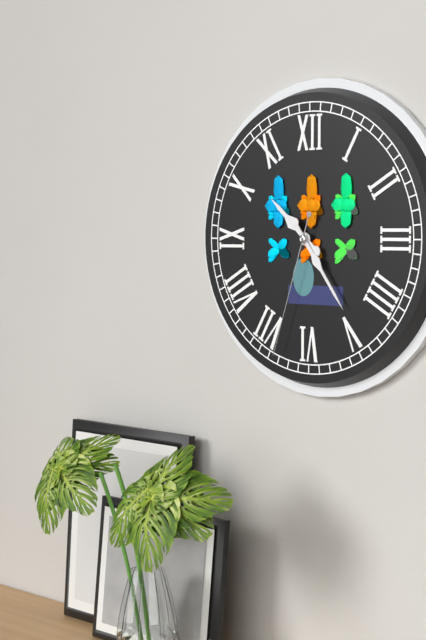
10:24:33
